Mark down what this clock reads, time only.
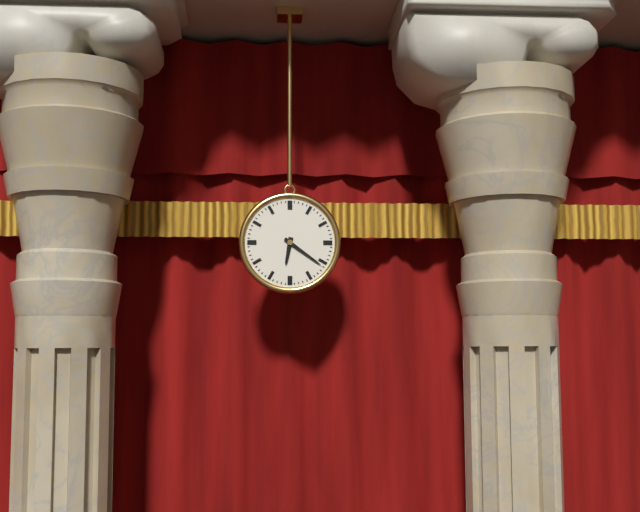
6:21
